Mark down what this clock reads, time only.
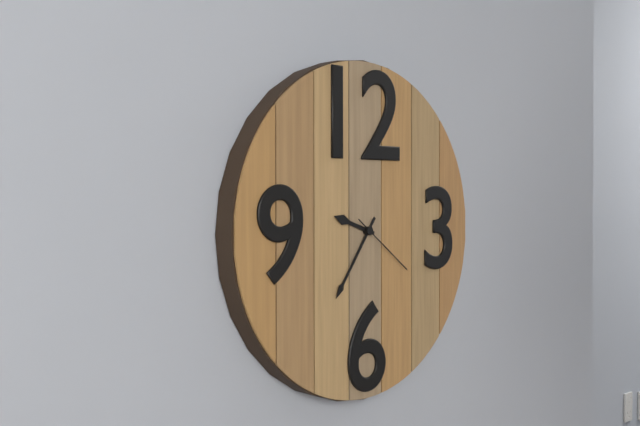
9:36:21
